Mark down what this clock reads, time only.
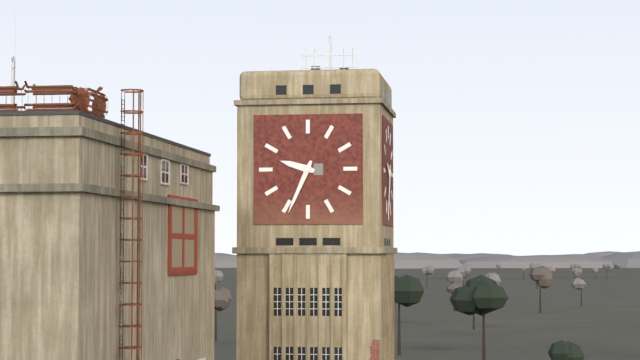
9:34
